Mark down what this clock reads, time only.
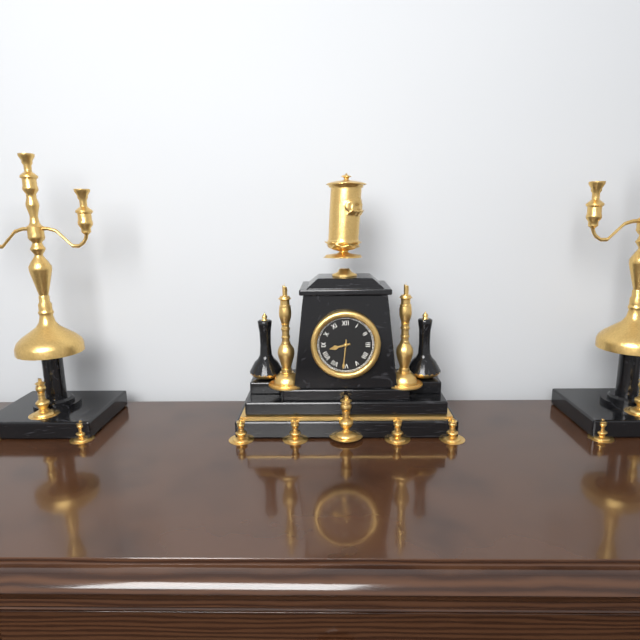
8:31
